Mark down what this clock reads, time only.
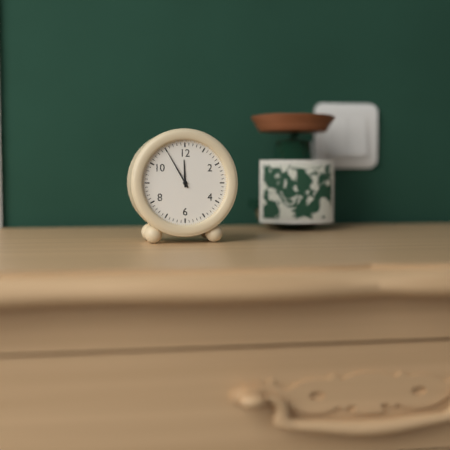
11:55
